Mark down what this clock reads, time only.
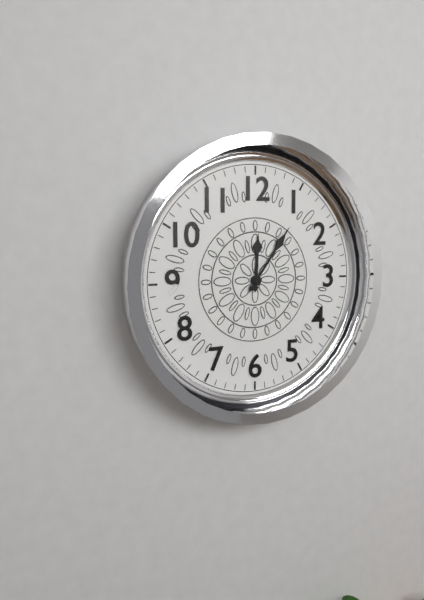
12:06
